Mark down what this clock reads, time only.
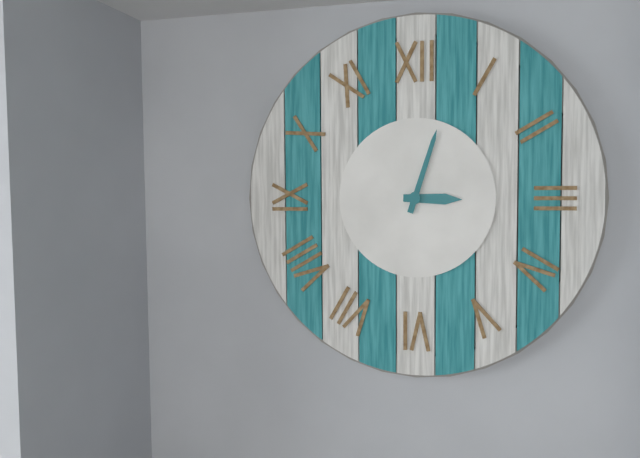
3:03
